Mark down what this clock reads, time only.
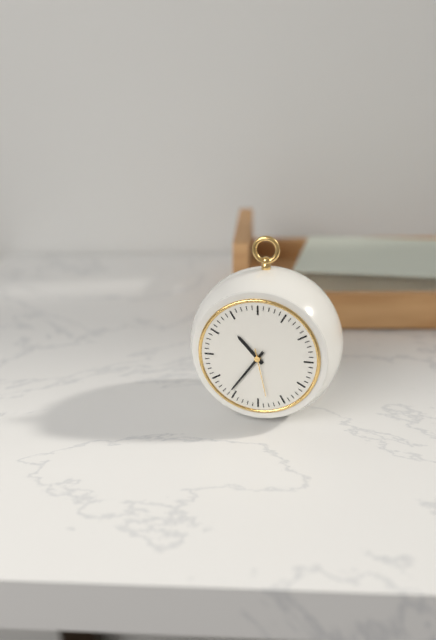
10:36
